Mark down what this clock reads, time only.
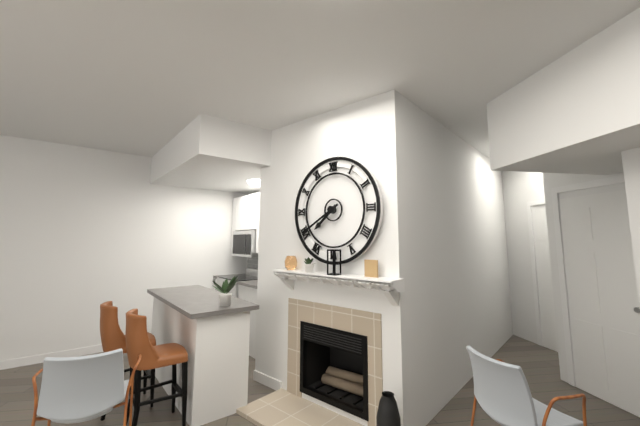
7:40
